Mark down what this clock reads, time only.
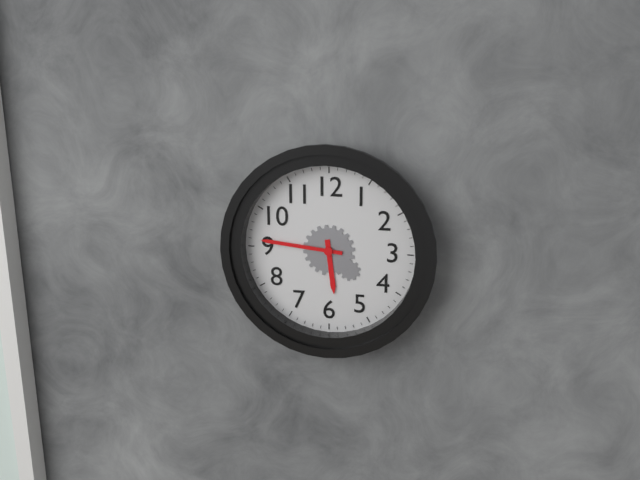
5:46
